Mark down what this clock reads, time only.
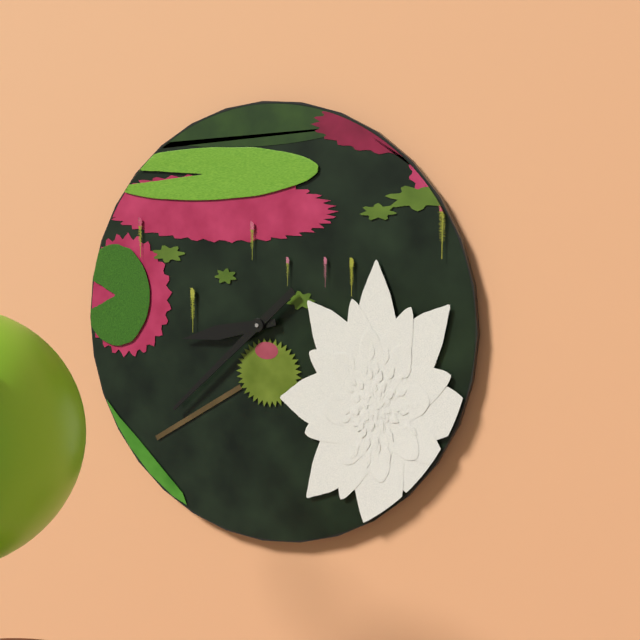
8:38
